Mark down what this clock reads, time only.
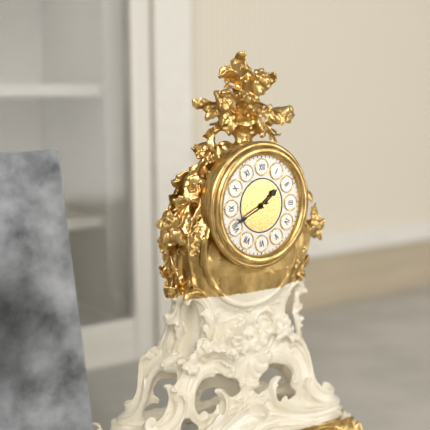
1:41
